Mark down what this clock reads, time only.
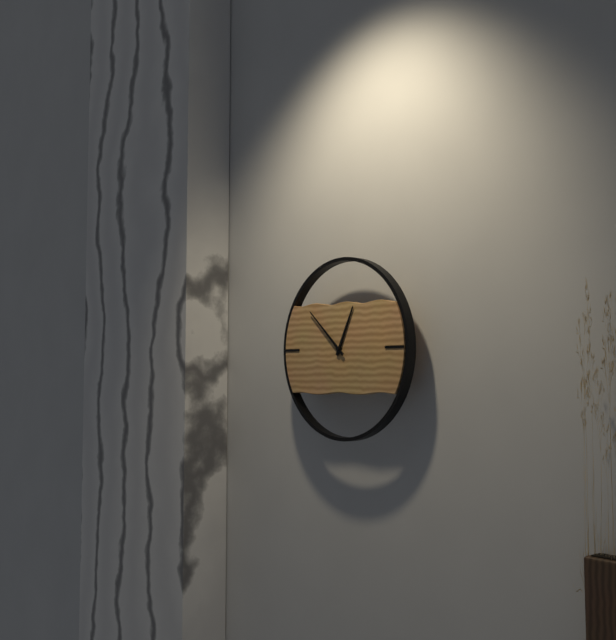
12:52
